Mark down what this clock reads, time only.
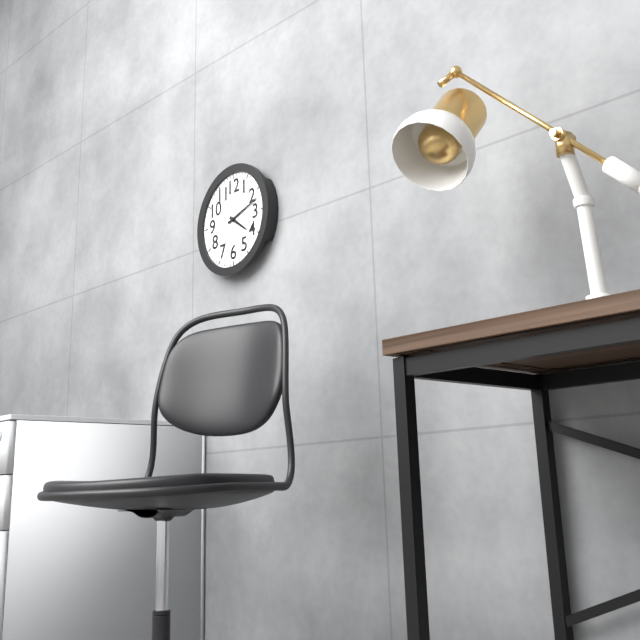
4:12
